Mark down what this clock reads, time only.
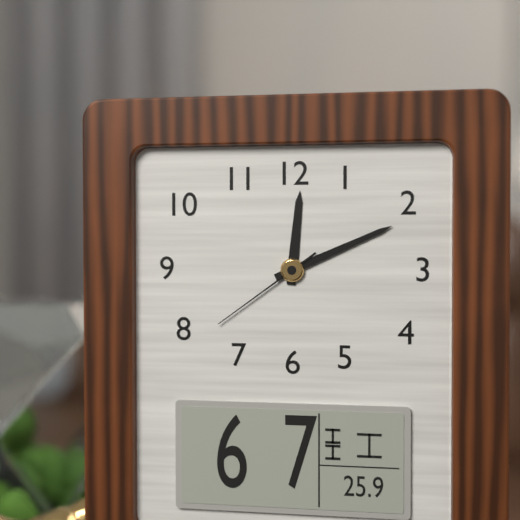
12:11:39
